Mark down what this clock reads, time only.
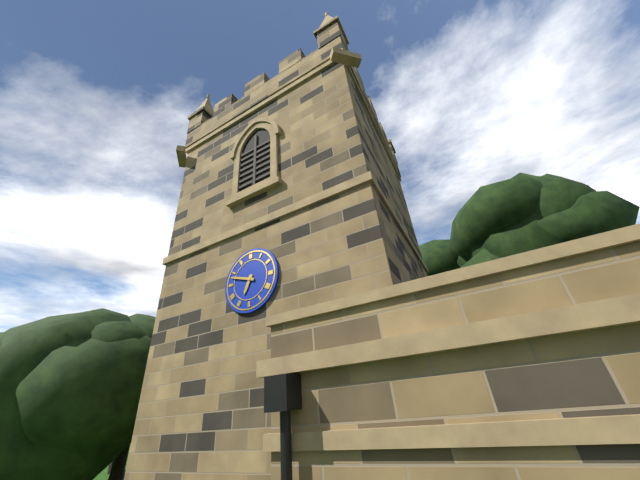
6:48
